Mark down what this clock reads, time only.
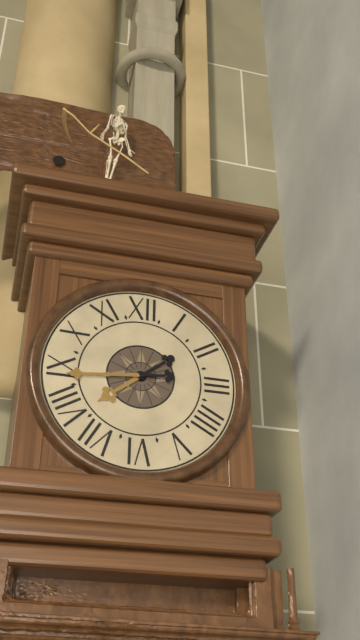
7:44
